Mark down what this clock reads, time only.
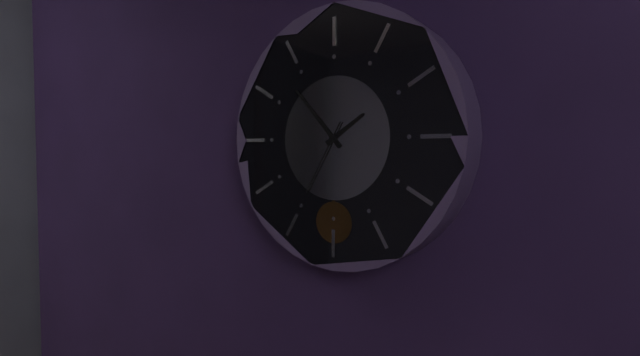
1:53:35
